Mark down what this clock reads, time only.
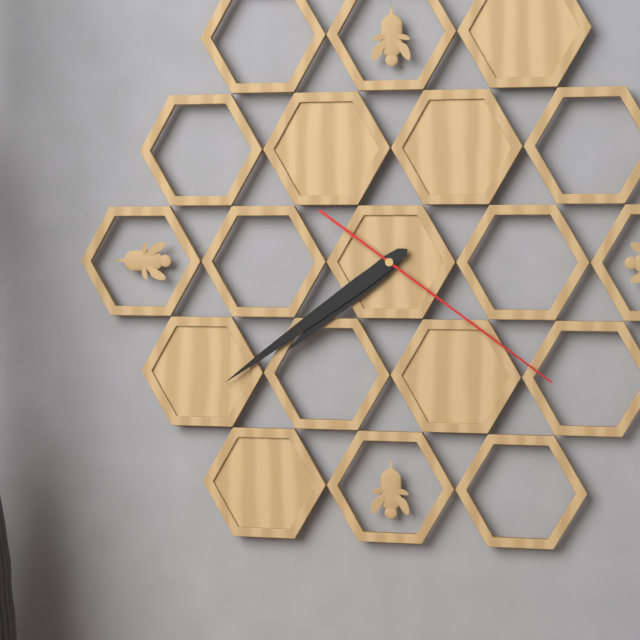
7:39:21
